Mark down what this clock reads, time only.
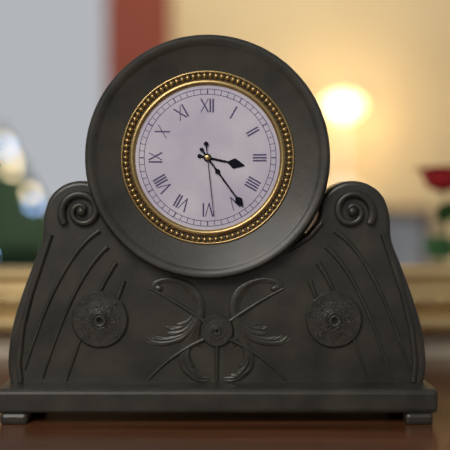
3:24:29
